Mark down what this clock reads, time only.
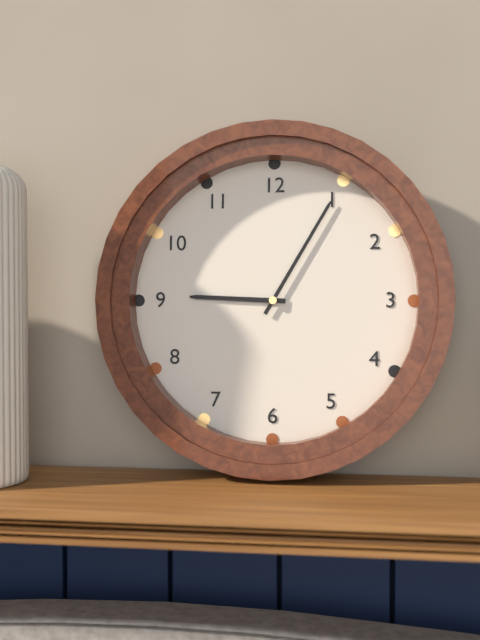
9:05
